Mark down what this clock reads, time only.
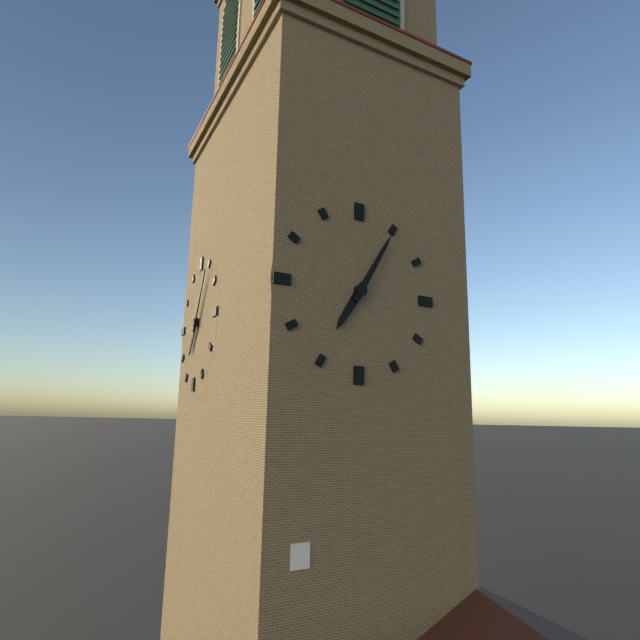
7:05
